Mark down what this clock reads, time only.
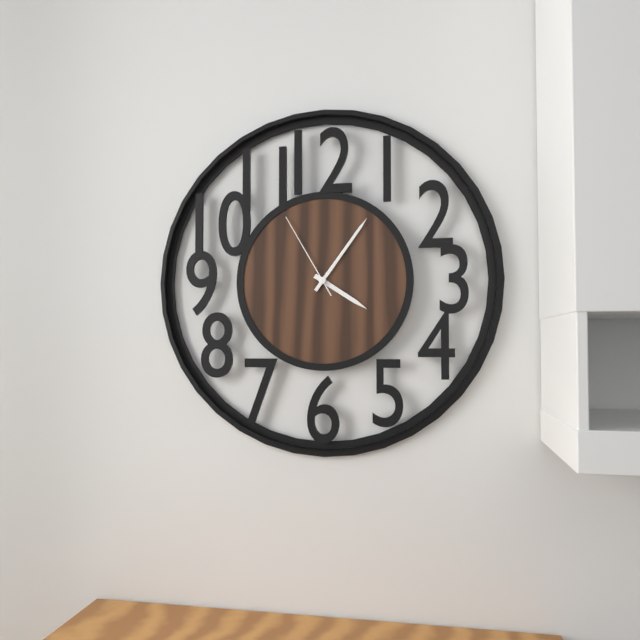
4:06:55
